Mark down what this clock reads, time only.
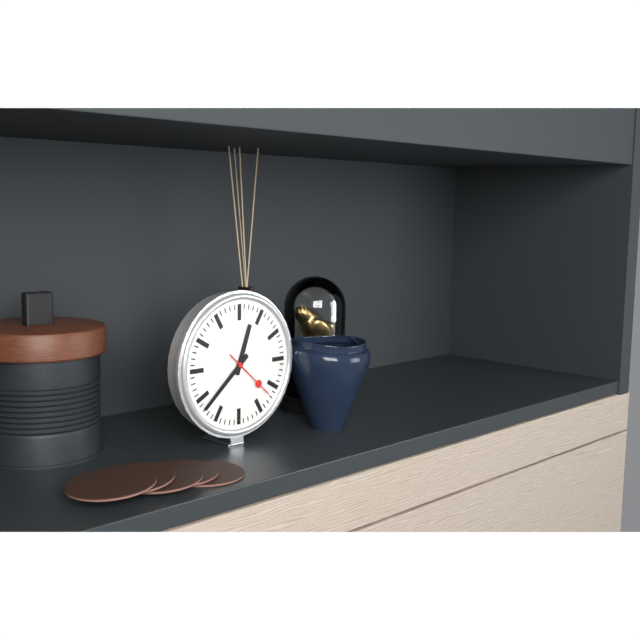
12:38:22
